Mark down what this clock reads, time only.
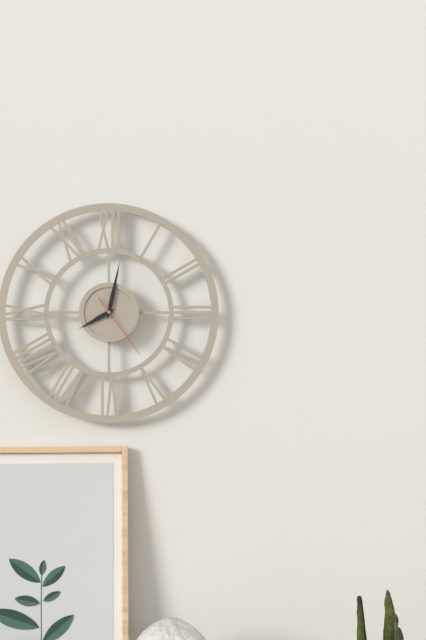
8:02:24
